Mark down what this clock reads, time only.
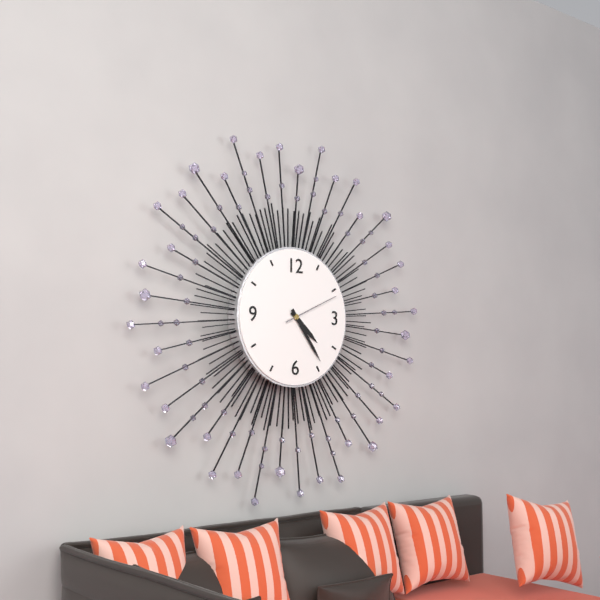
4:24:11
